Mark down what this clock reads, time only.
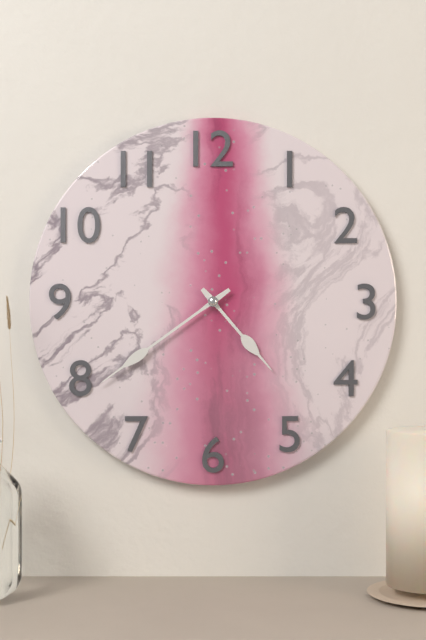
4:39
